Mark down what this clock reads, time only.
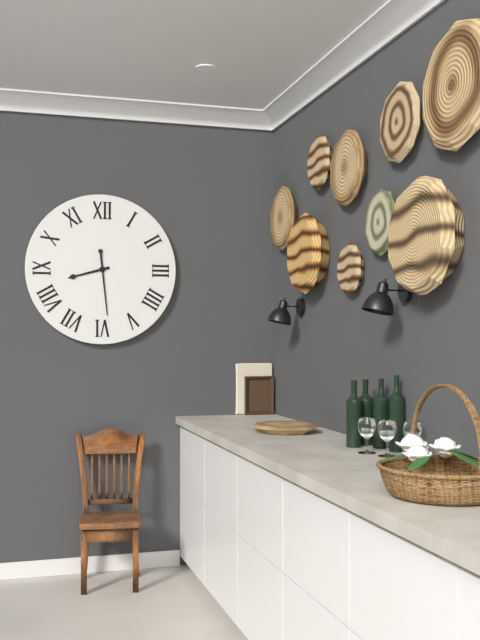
8:29
